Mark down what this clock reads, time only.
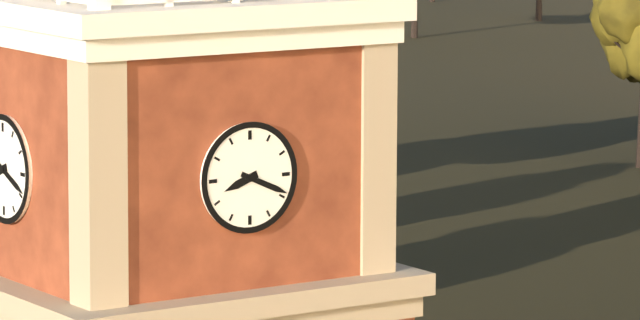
8:19
